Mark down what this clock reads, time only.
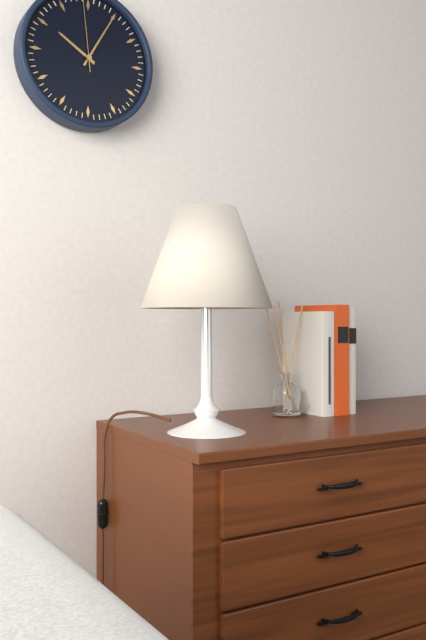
10:05
